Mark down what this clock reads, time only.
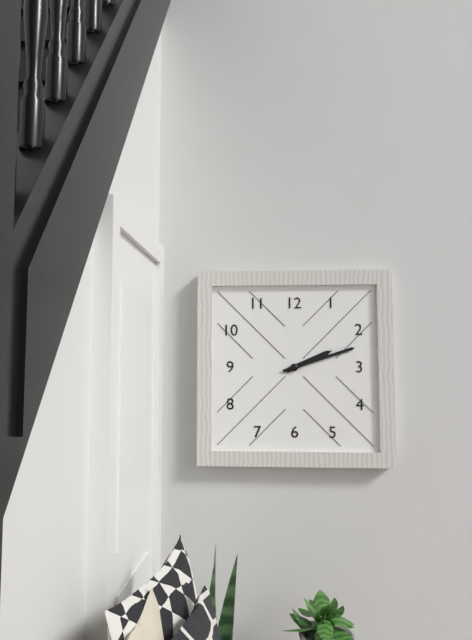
2:12
